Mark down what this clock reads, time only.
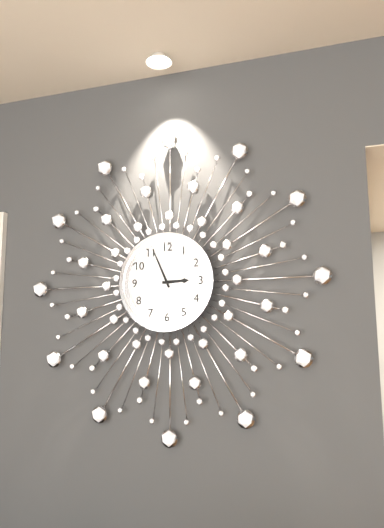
2:56
